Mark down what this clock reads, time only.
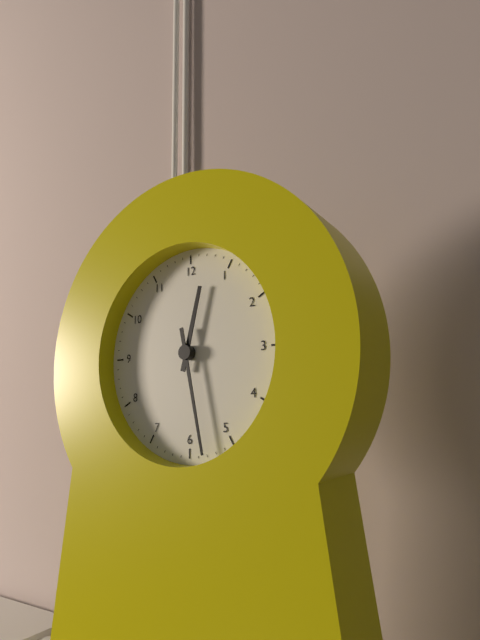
12:28
